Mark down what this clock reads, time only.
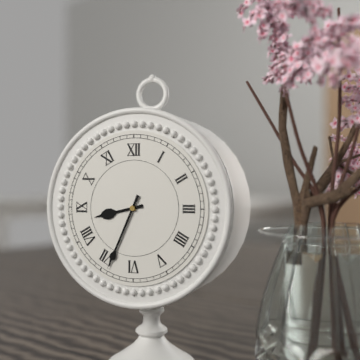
8:34
